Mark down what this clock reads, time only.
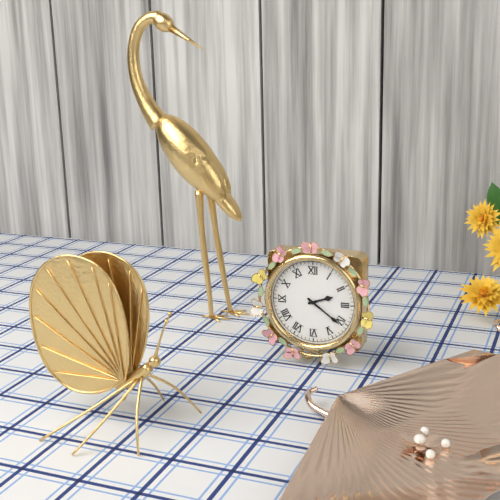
2:21
